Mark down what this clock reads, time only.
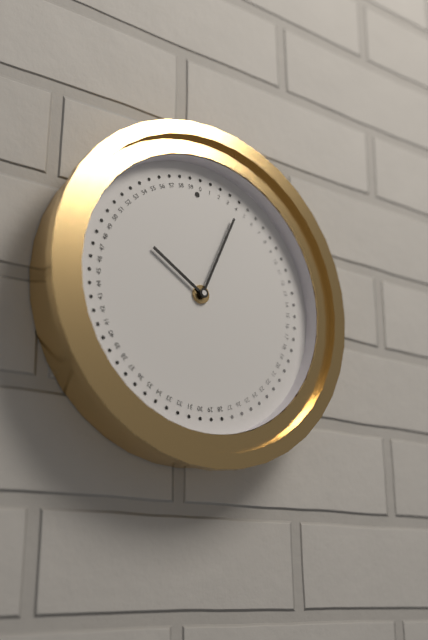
10:04
